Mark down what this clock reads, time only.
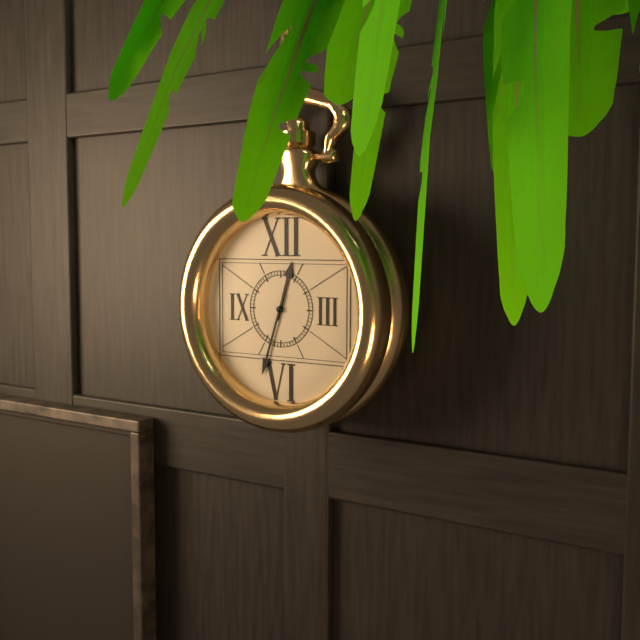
12:33
